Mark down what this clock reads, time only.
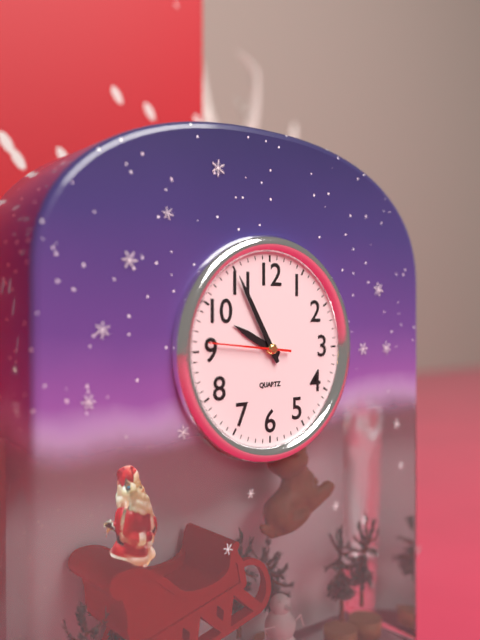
9:55:46
